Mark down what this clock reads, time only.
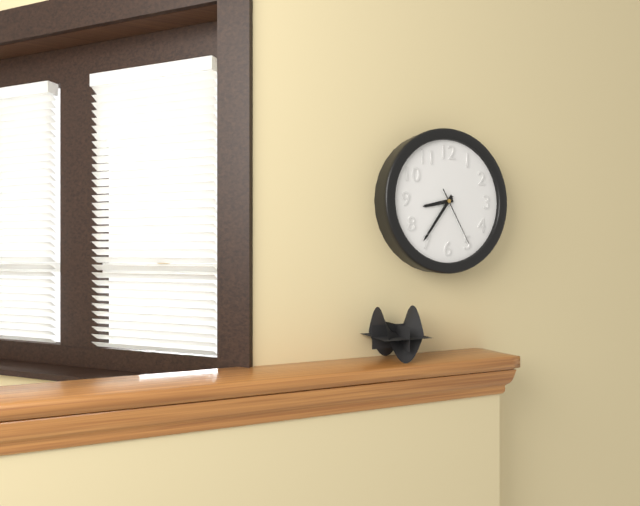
8:36:25
